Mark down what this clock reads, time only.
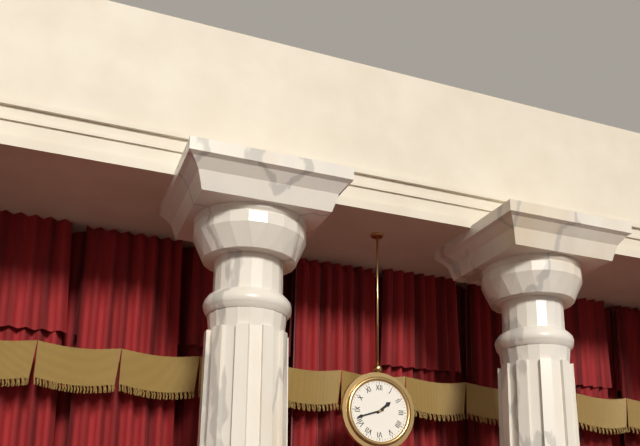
1:42
